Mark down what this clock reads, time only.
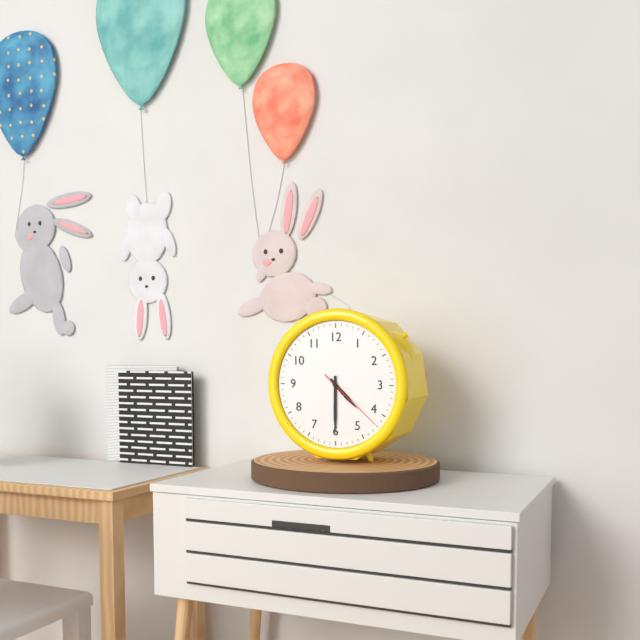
4:30:22
